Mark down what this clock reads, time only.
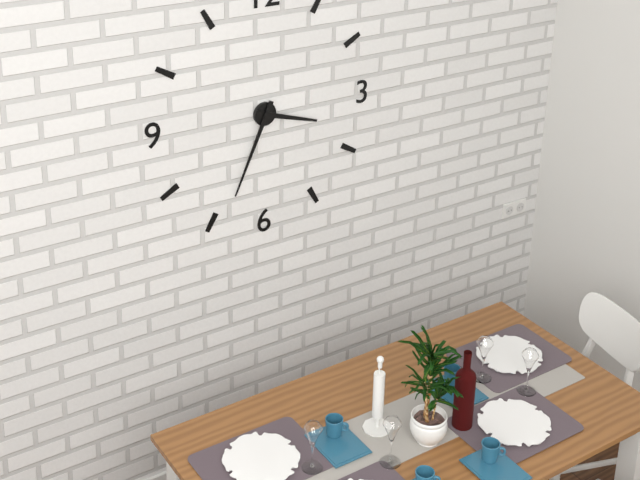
3:34
